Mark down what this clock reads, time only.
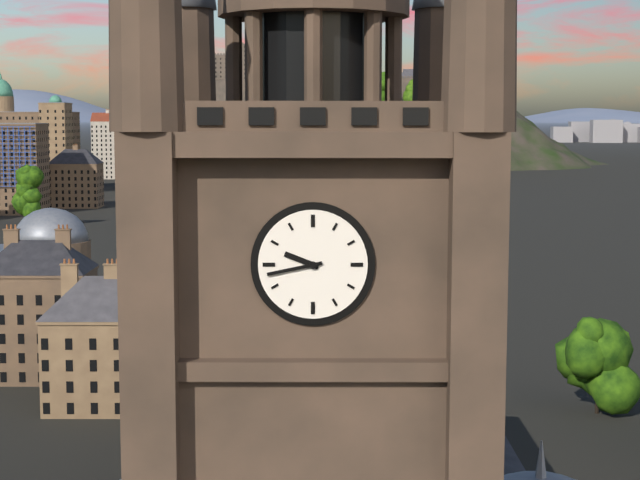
9:43
